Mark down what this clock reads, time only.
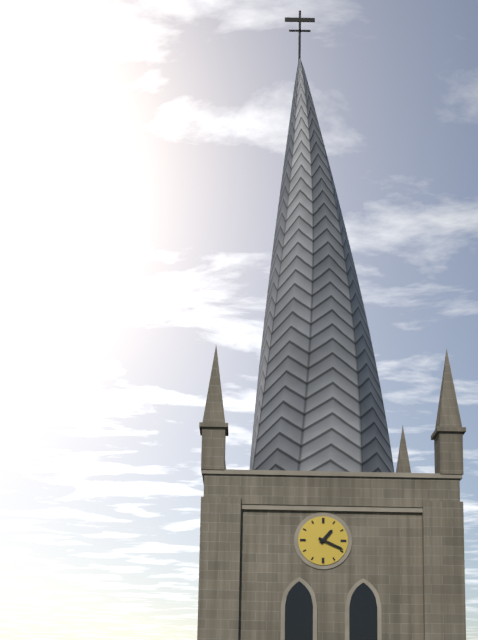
1:19
